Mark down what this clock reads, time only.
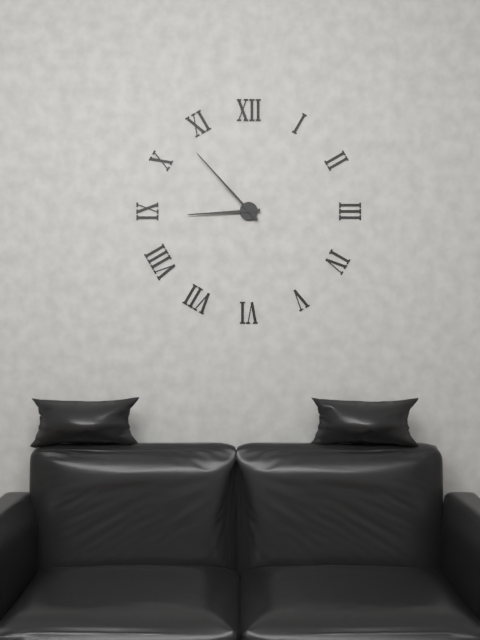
8:53
